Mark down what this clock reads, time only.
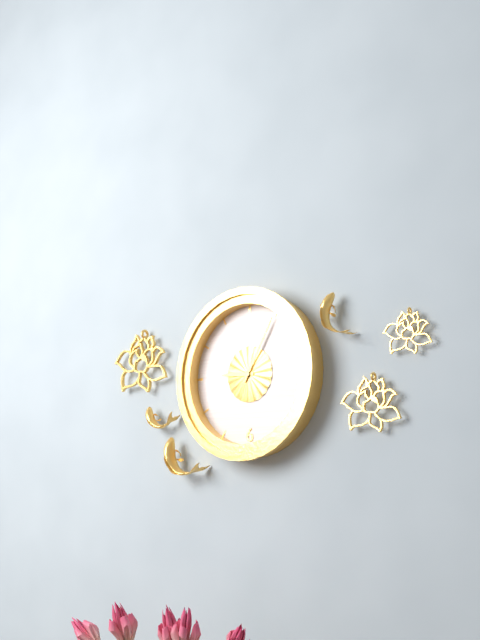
9:05
